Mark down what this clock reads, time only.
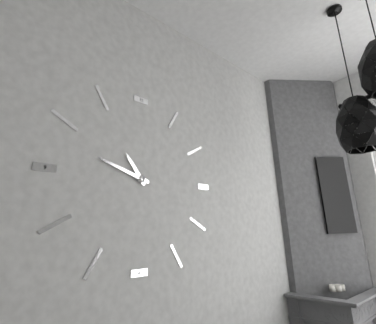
10:48
